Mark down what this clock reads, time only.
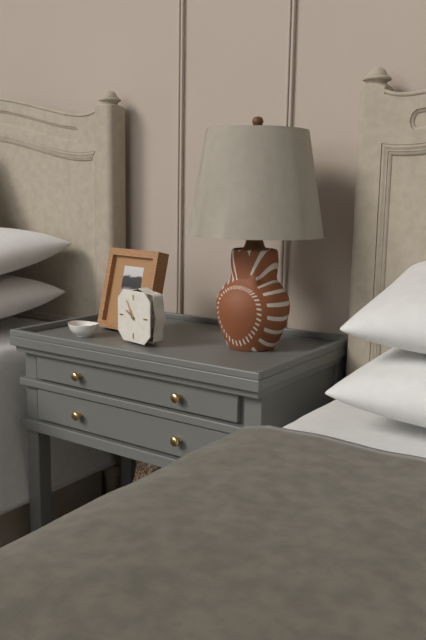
9:55
